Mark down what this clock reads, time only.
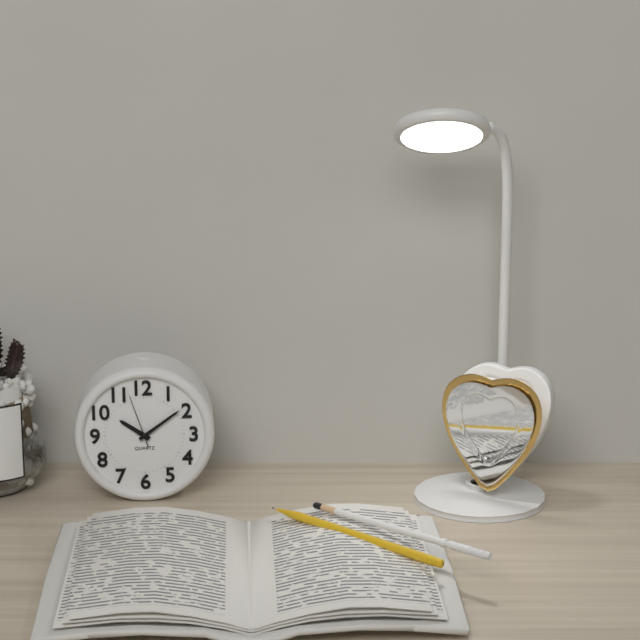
10:09:57
